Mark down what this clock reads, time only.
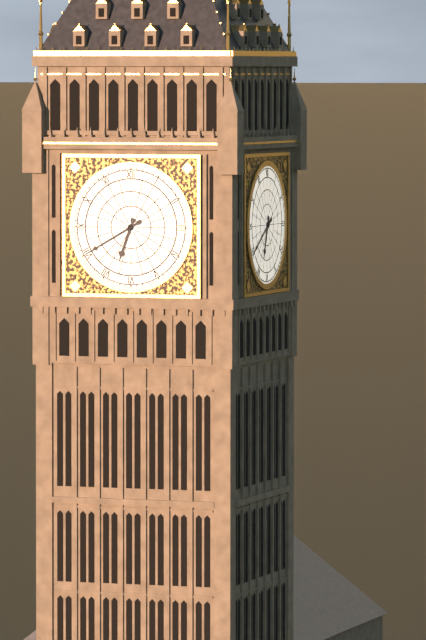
6:40
